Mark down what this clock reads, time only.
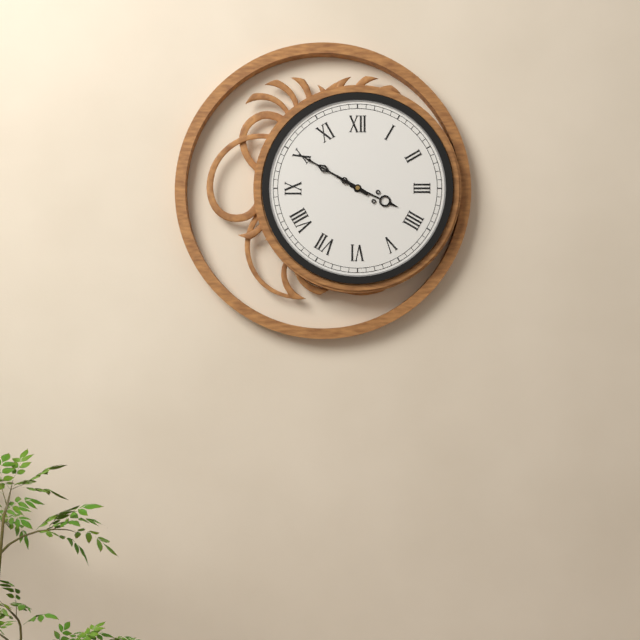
3:50
